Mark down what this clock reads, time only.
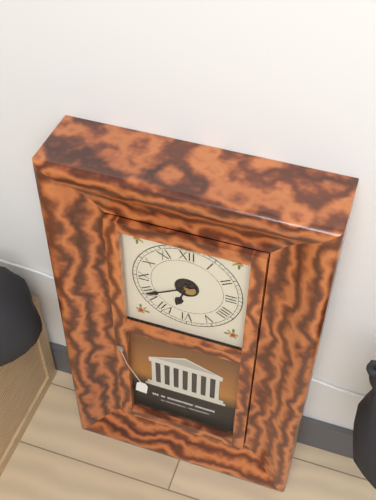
6:40
